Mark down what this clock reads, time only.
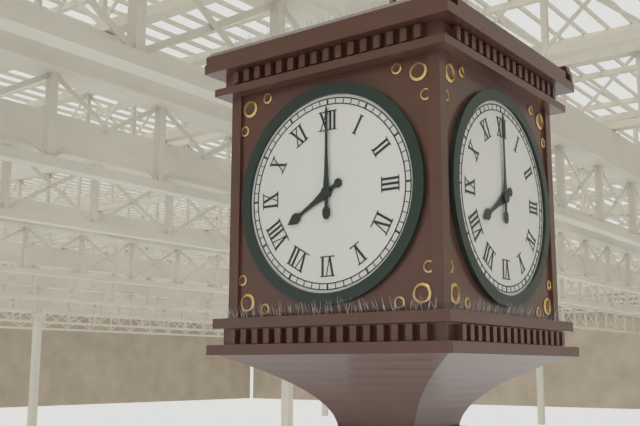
8:00
